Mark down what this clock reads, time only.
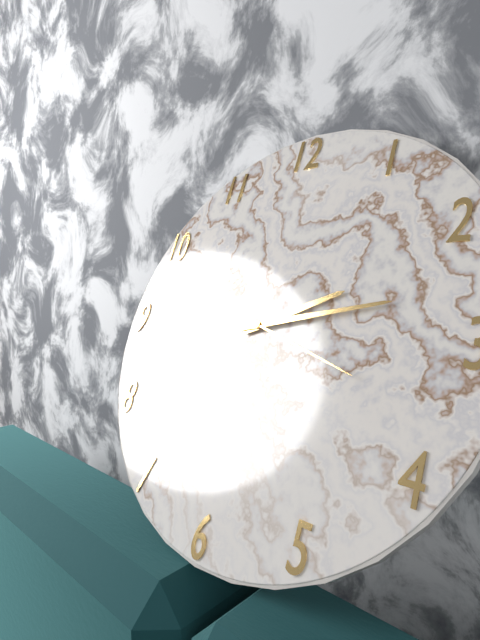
2:13:18
